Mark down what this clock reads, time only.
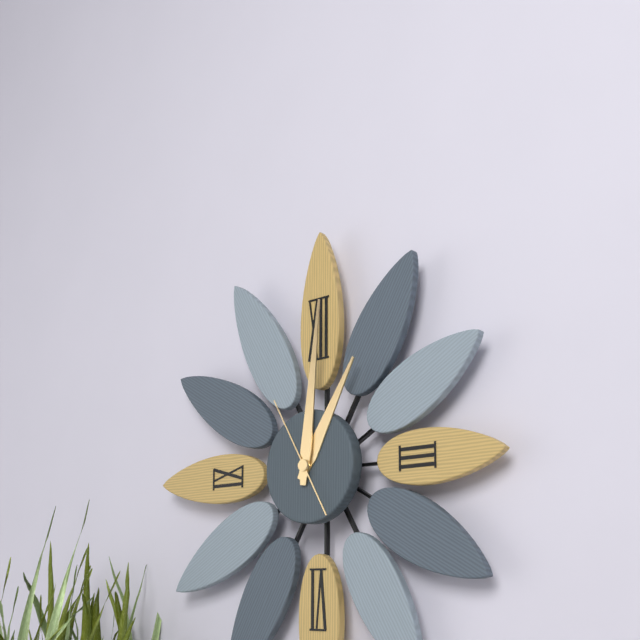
1:01:55
